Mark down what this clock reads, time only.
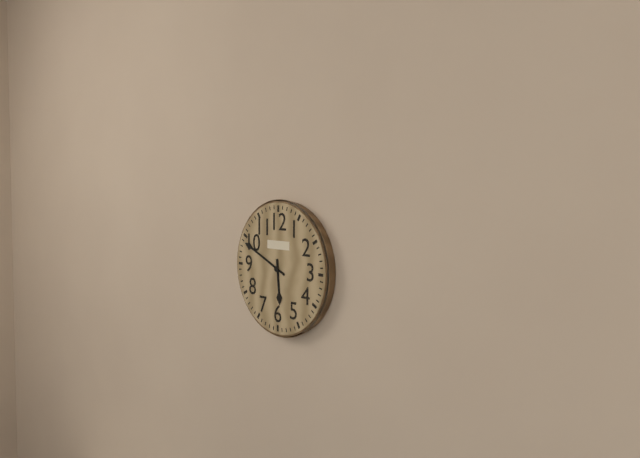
5:49
